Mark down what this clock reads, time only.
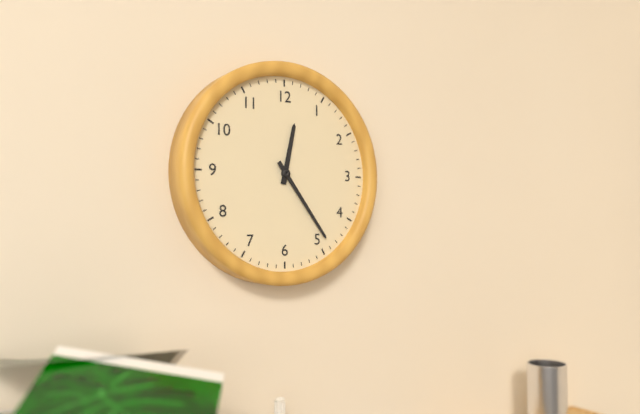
12:24
